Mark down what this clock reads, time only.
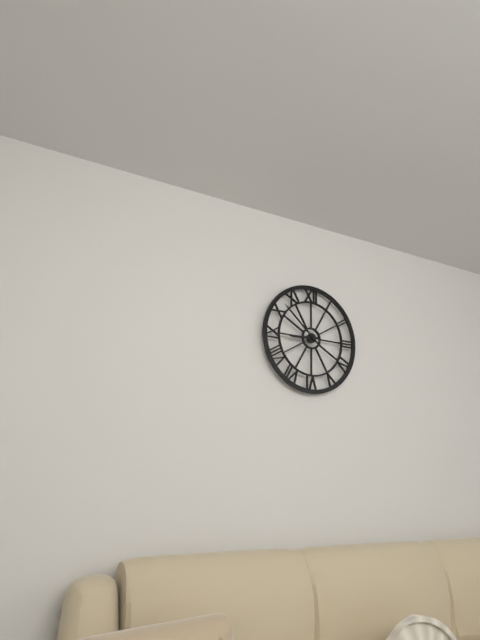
8:52
